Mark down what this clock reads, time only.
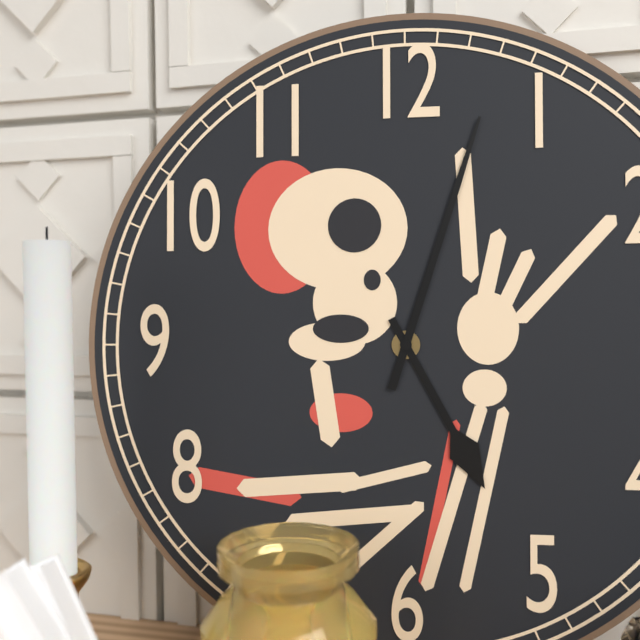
5:03
